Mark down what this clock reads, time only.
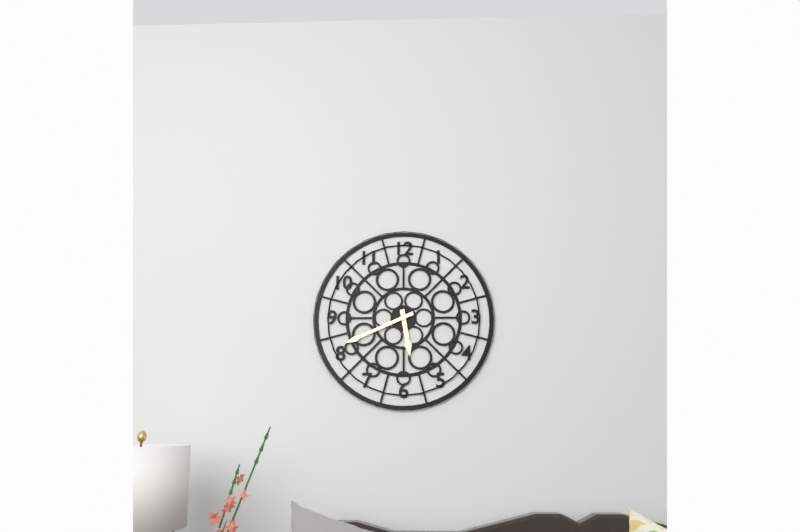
5:41
